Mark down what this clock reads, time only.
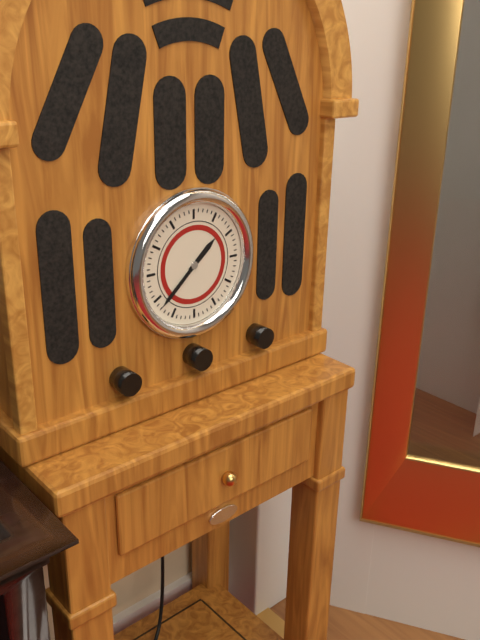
1:38
